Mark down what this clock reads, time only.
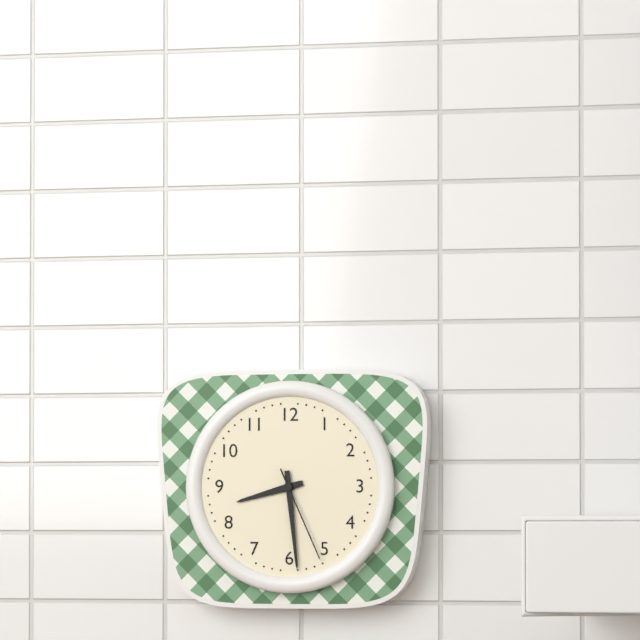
8:29:26
